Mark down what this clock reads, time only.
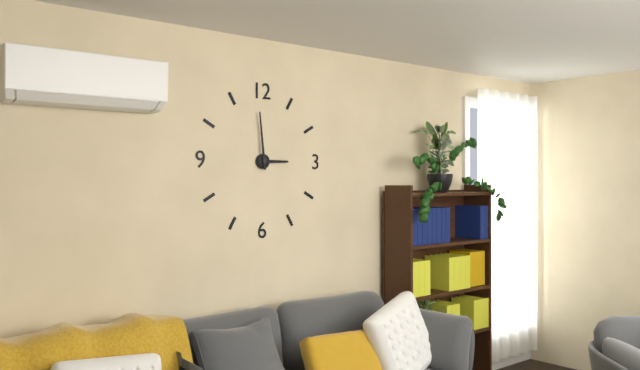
2:59
